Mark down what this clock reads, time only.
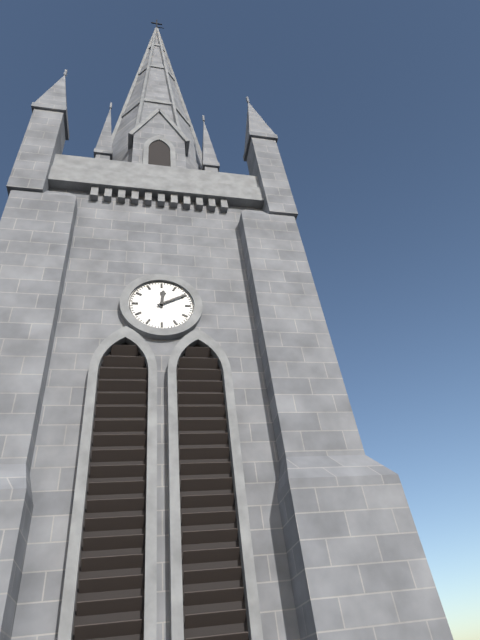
12:10
